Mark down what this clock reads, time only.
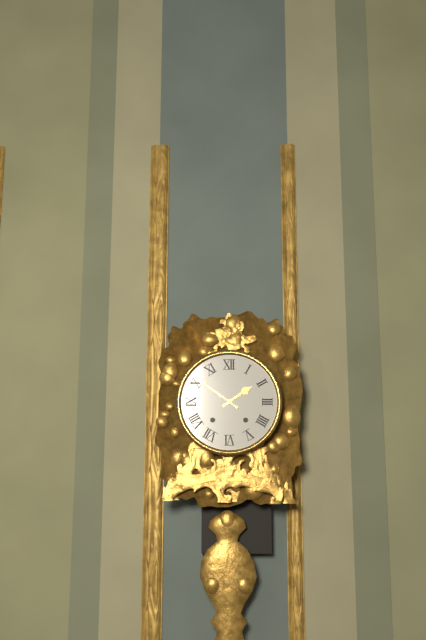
1:51
